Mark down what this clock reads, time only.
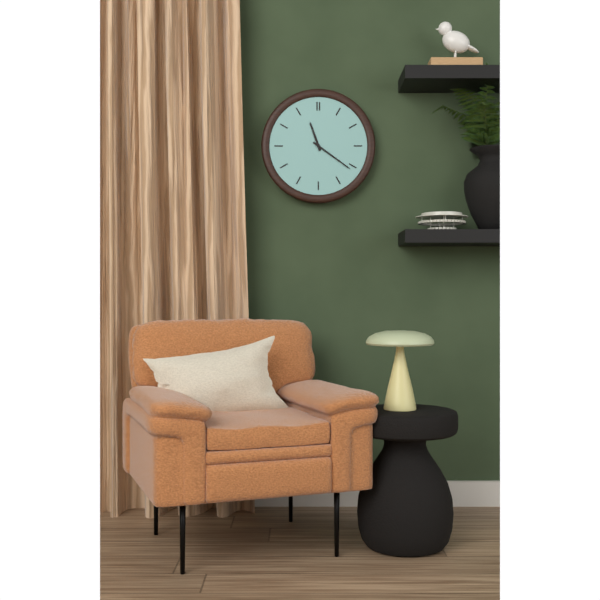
11:21
